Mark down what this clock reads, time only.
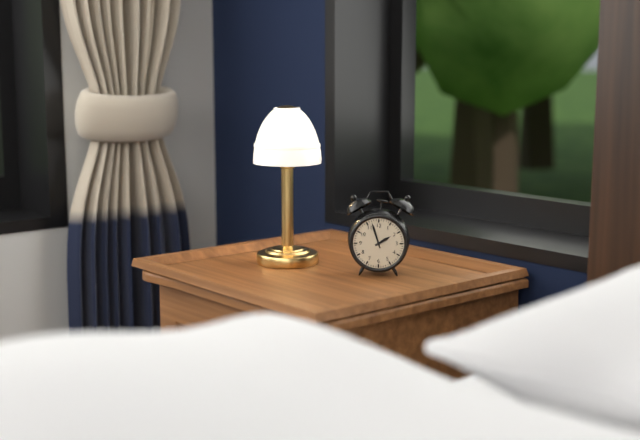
1:57
